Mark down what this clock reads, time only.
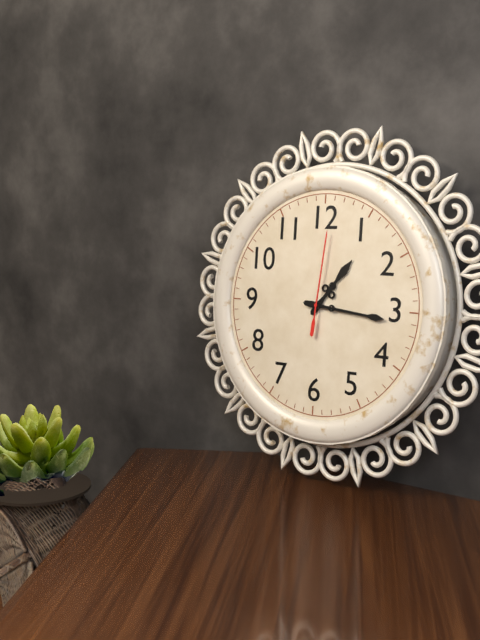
1:16:01
